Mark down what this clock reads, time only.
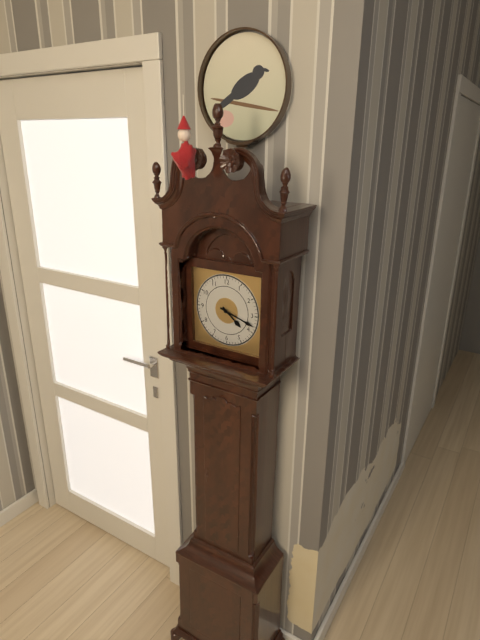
4:18
